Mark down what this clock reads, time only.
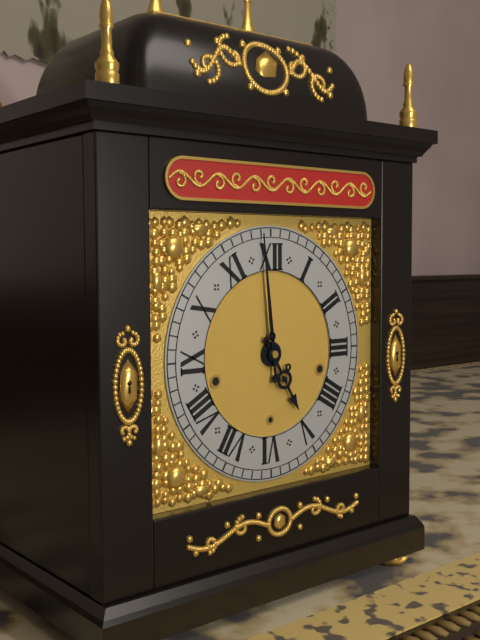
4:59
